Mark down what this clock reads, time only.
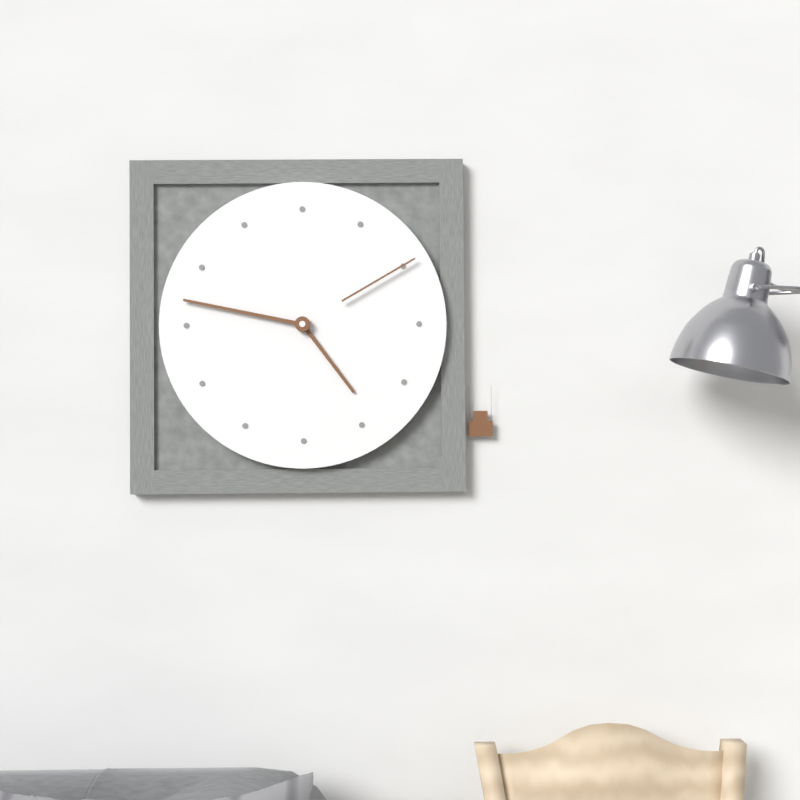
4:47:10
